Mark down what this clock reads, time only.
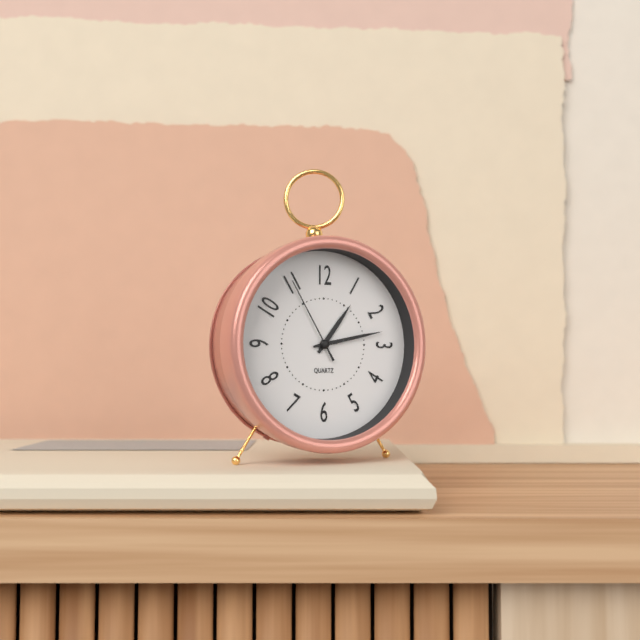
1:13:55
